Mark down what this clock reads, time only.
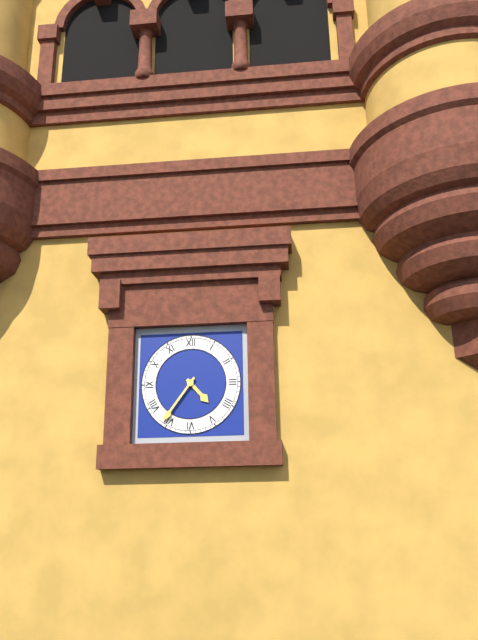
4:36
